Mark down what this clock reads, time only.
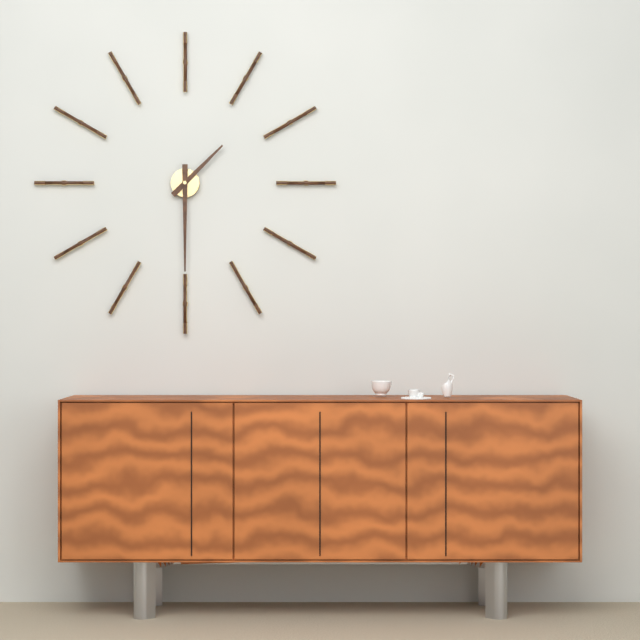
1:30
